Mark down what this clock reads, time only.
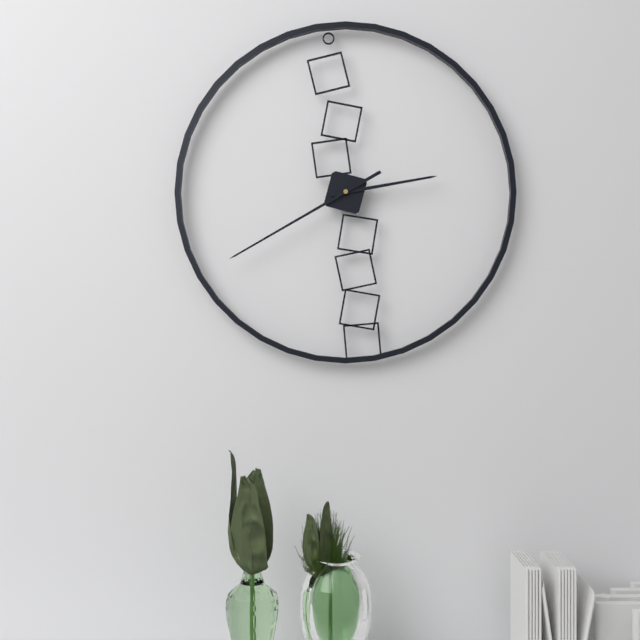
2:40
